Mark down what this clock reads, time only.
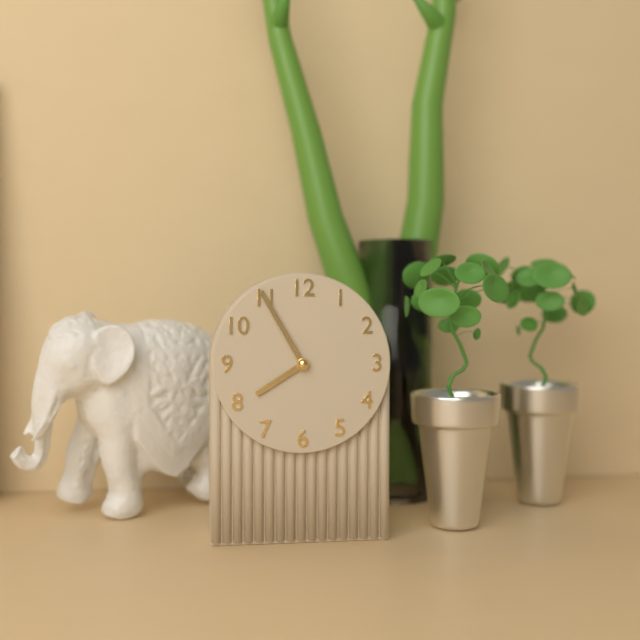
7:55
